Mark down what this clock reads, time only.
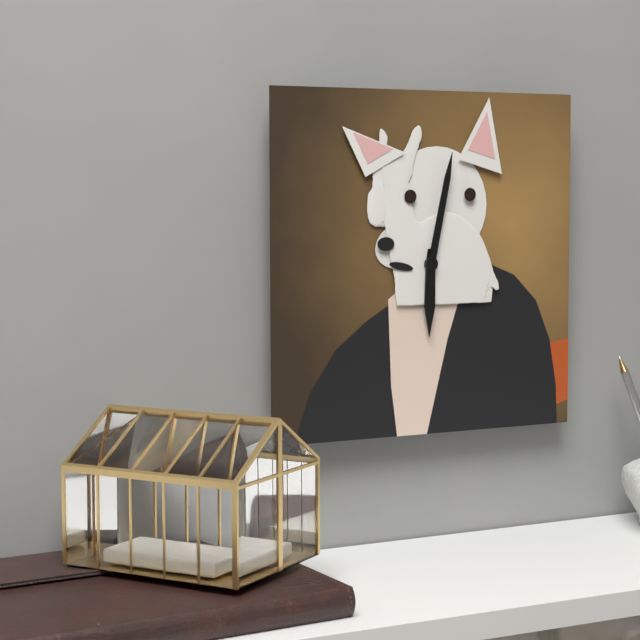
6:02
